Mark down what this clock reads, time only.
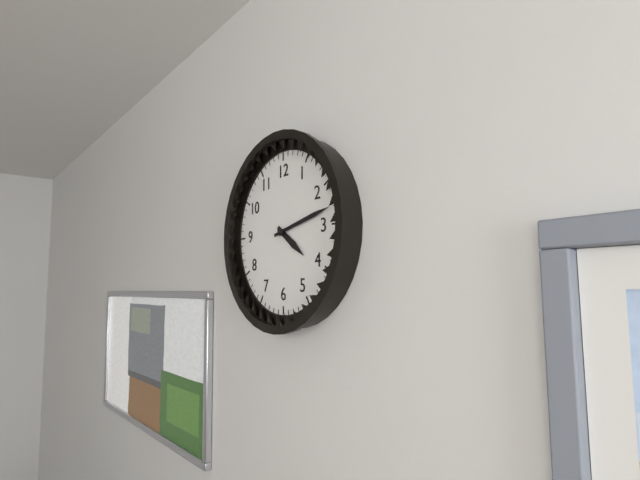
4:13
